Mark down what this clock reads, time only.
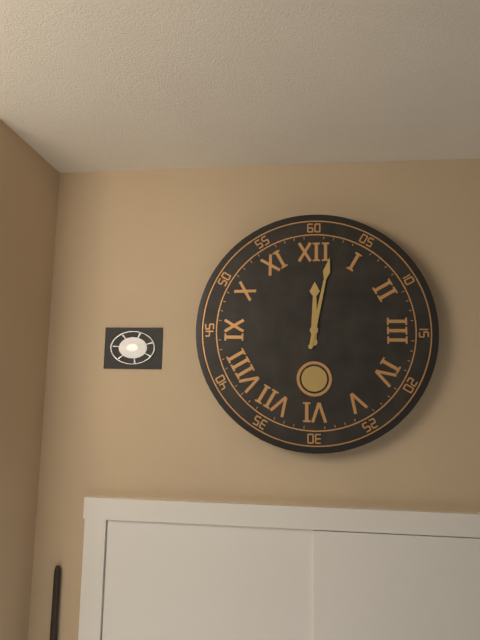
12:02
